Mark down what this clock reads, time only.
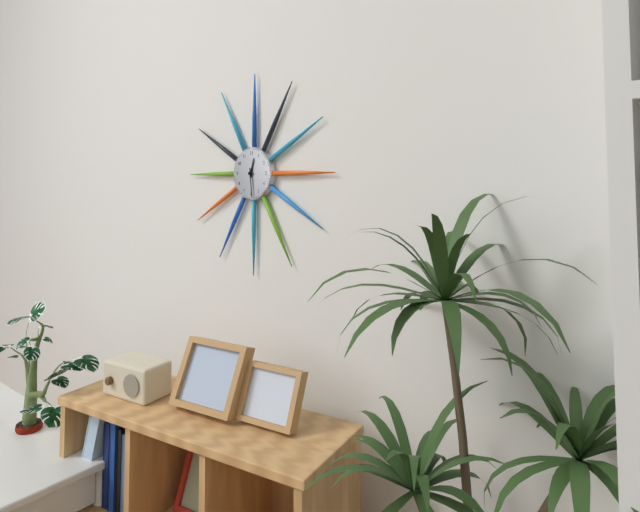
12:29
